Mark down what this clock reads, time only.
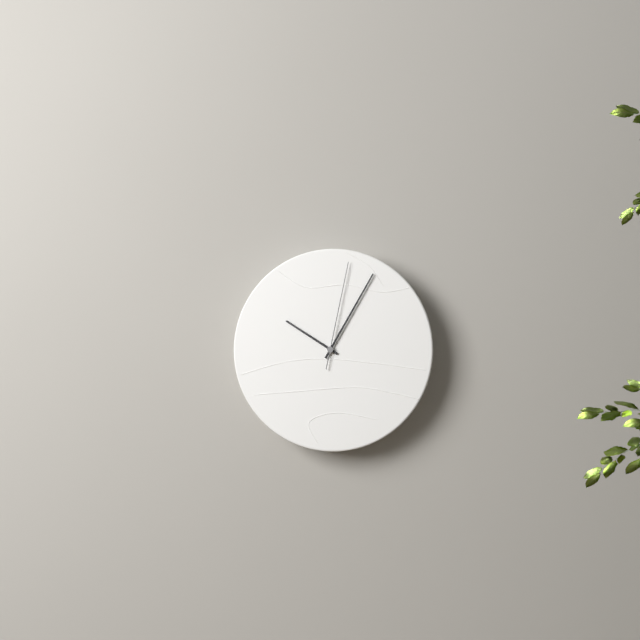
10:05:02
